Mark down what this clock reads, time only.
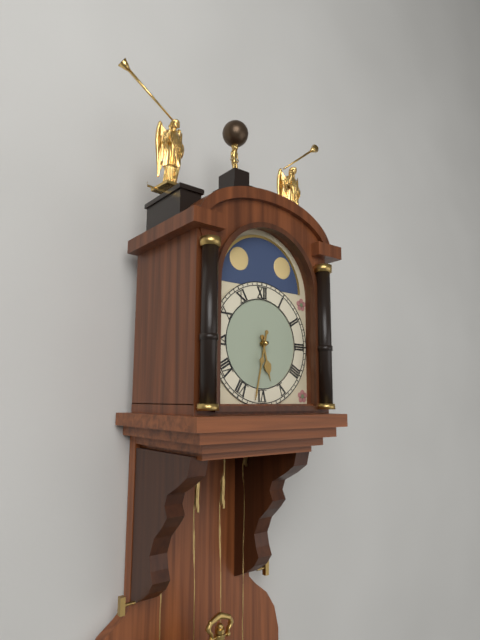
5:32
